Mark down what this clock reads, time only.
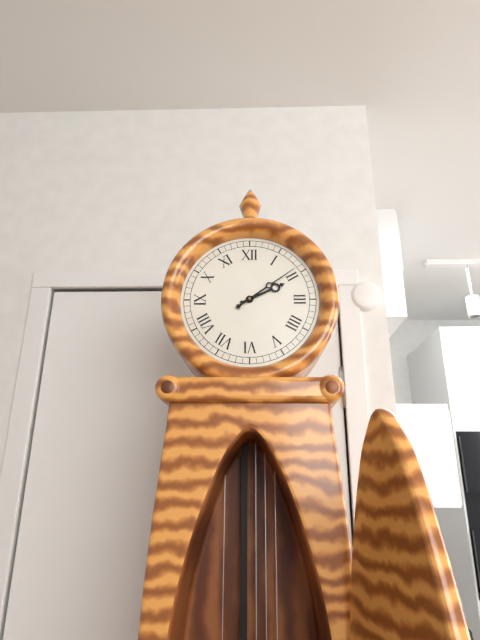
2:09
